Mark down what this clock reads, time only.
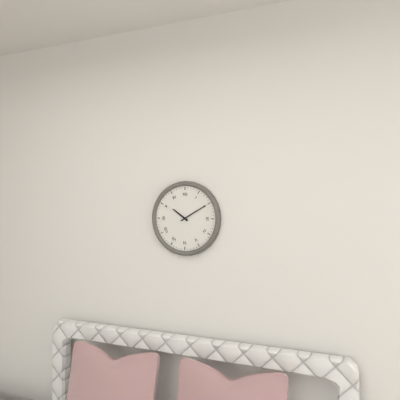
10:10
